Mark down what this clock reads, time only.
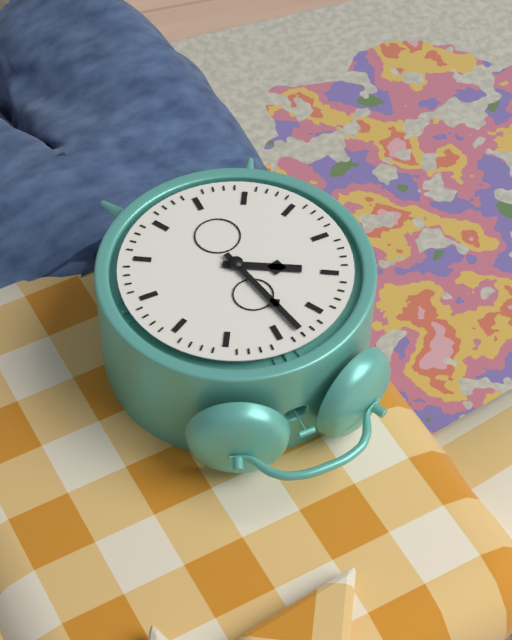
9:58
